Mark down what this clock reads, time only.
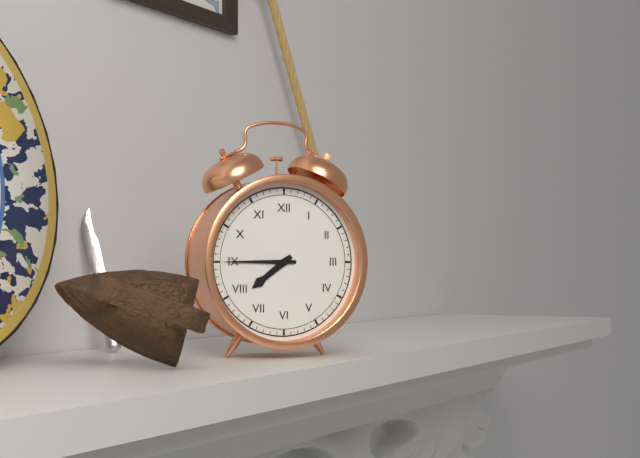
7:45
